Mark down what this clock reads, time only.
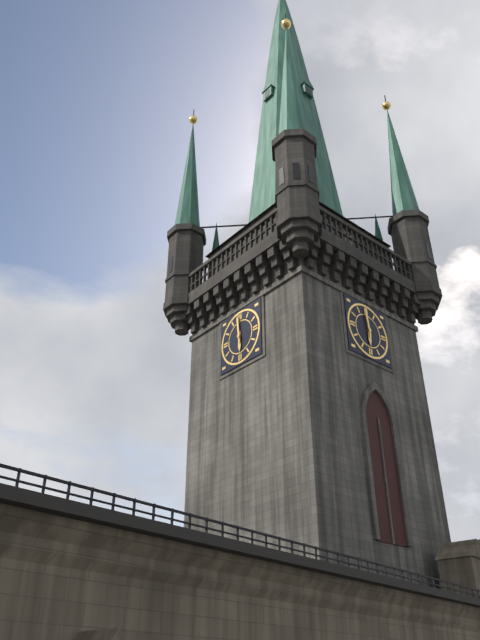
5:59
